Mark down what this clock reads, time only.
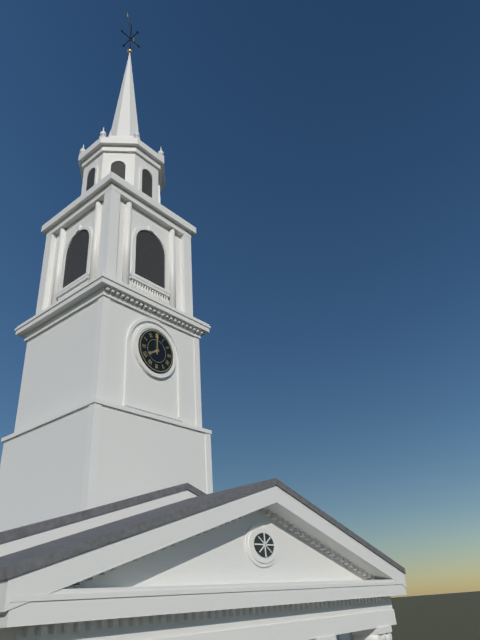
8:00
